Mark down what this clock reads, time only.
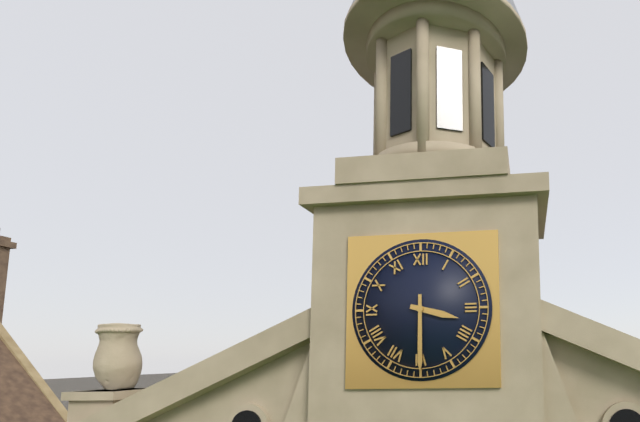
3:30
